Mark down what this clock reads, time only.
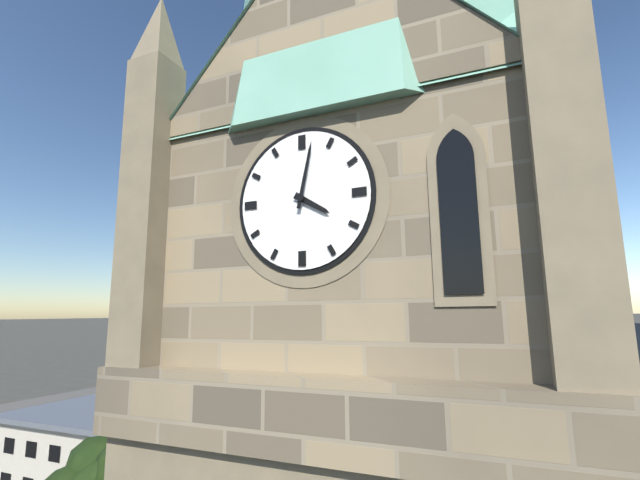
4:02
